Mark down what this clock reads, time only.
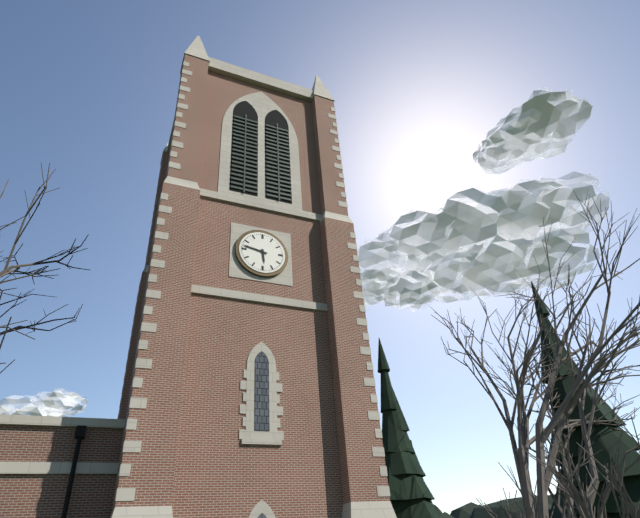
5:47
